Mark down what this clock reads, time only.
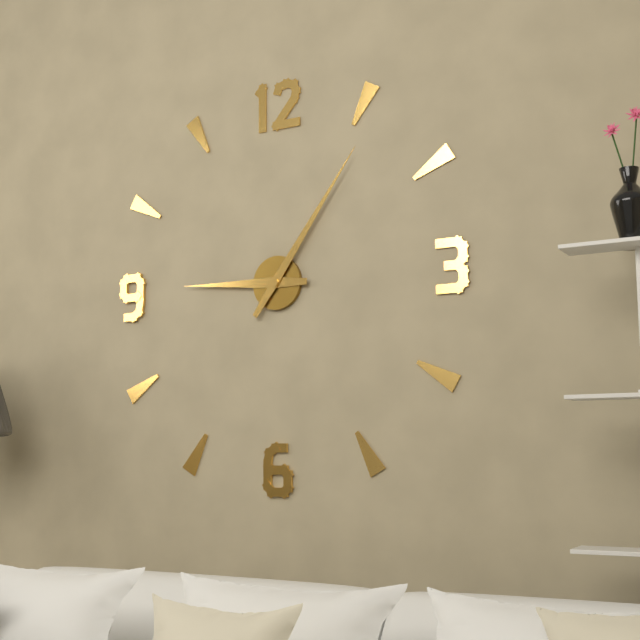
9:06
